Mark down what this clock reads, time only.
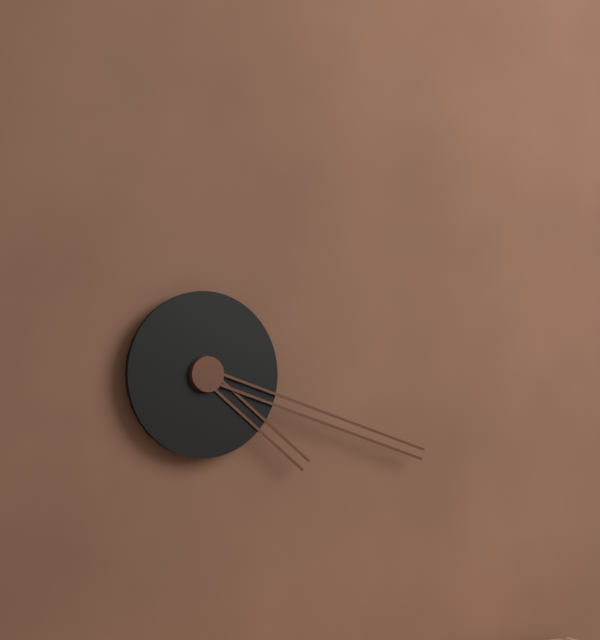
4:18
